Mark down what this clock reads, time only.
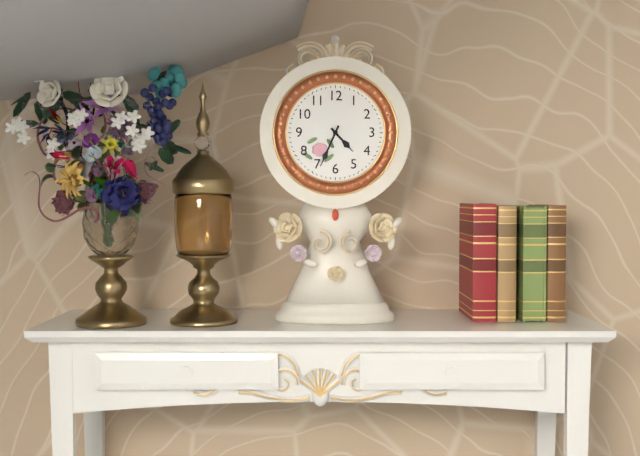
4:34
